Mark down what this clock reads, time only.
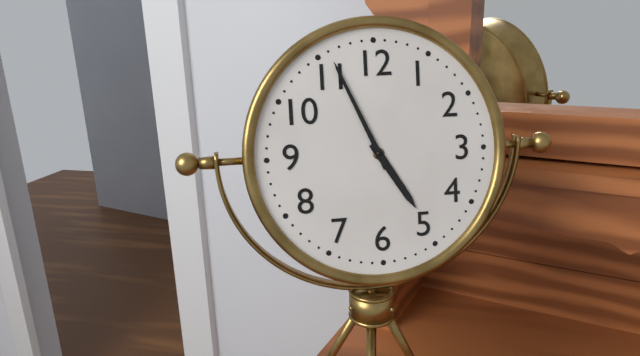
4:56
